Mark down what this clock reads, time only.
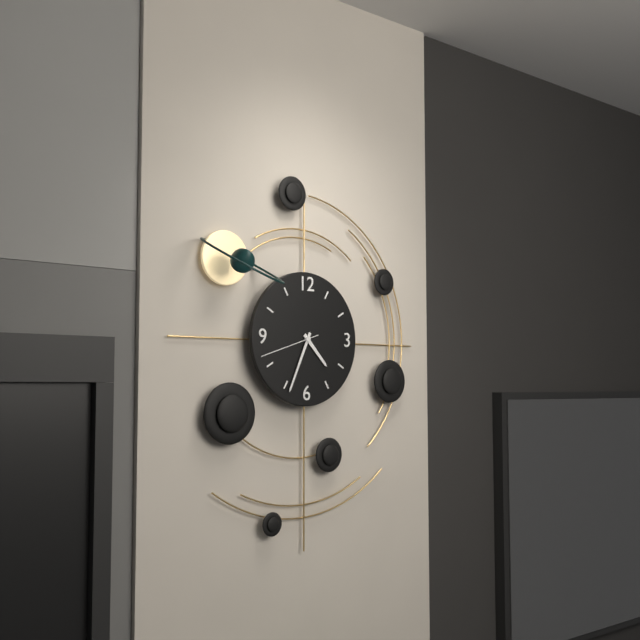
4:34:42
